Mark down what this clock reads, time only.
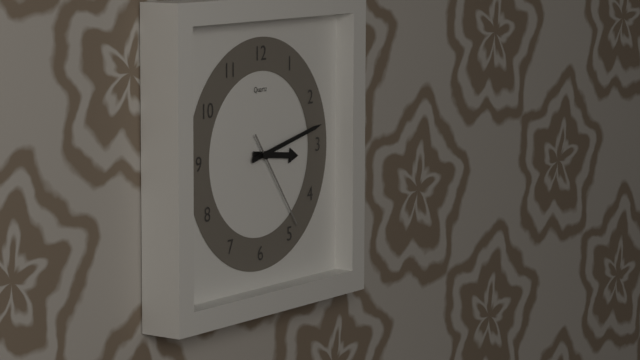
3:13:24
